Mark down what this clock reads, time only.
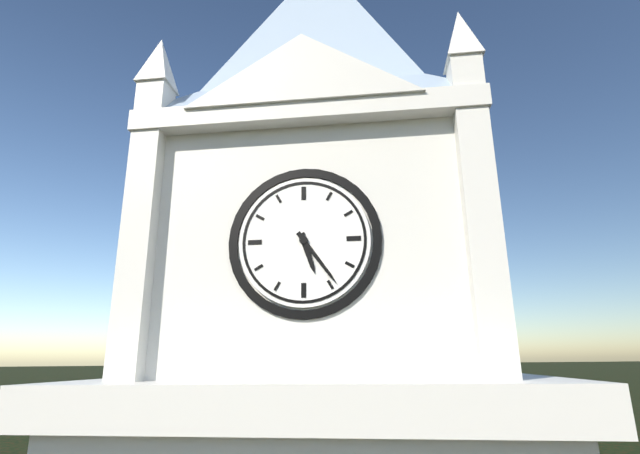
5:24
